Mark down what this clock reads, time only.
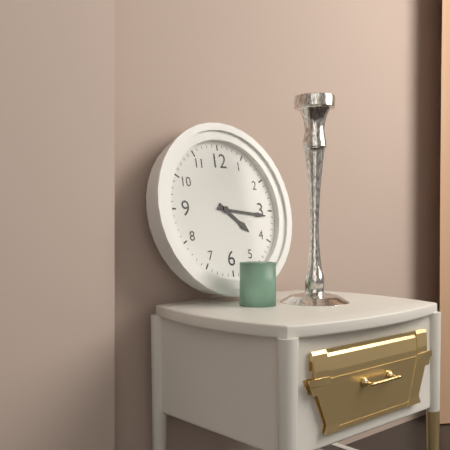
4:16
